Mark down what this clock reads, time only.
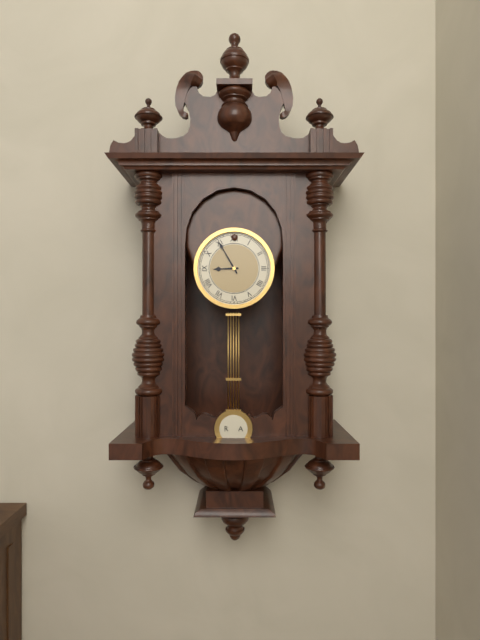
8:55
